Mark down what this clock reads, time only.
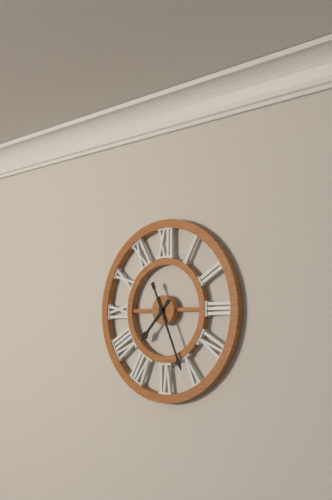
7:26
